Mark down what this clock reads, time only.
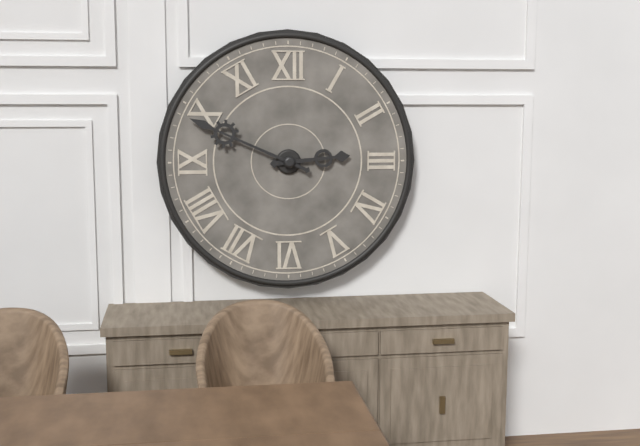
2:49
